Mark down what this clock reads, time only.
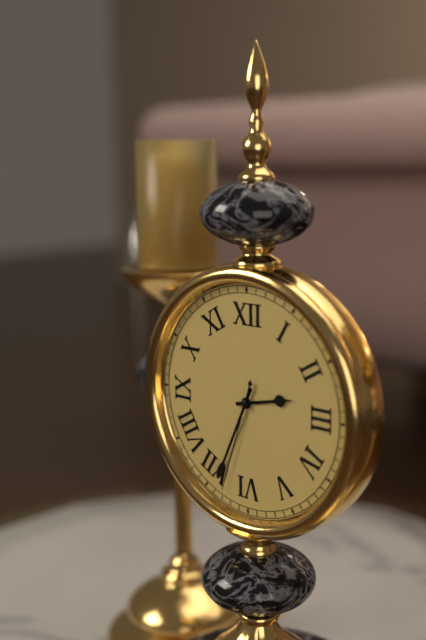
2:34:33
